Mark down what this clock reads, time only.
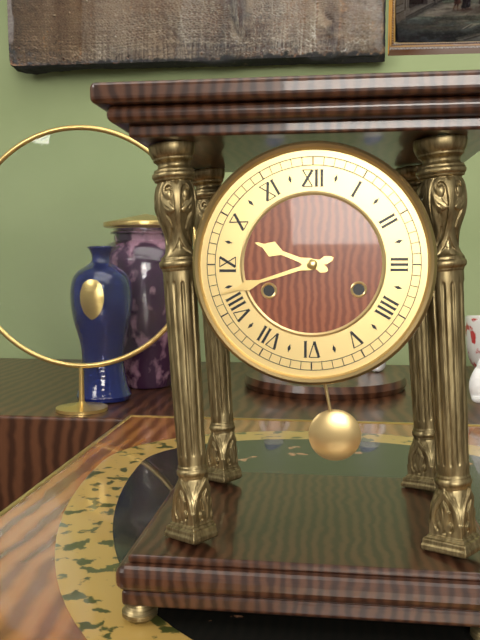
9:42
